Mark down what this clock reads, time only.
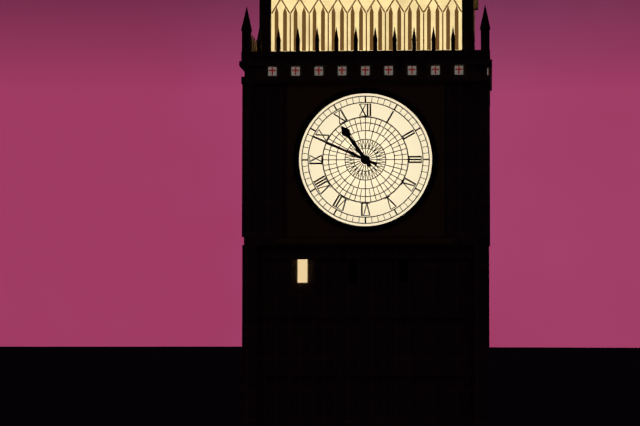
10:49
